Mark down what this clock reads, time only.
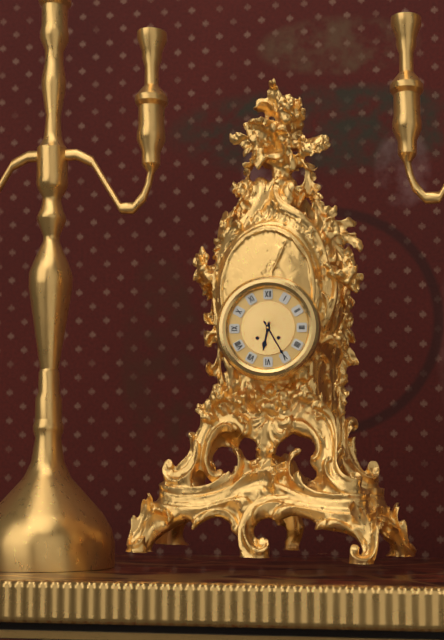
6:25
